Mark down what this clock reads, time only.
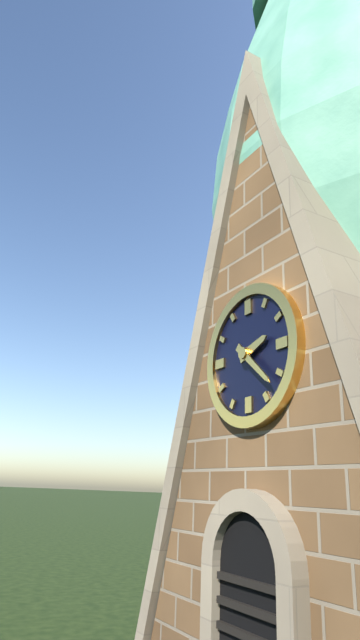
2:22
